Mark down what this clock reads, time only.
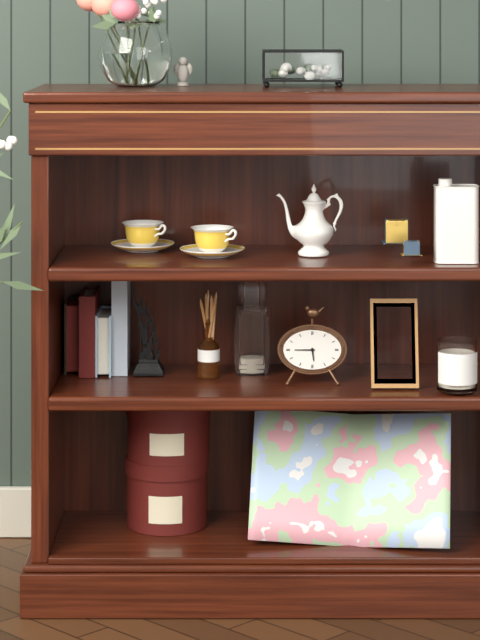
5:45
